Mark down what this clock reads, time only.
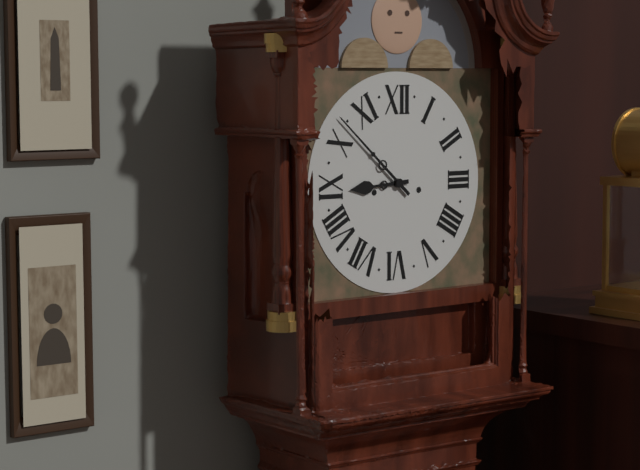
8:52
